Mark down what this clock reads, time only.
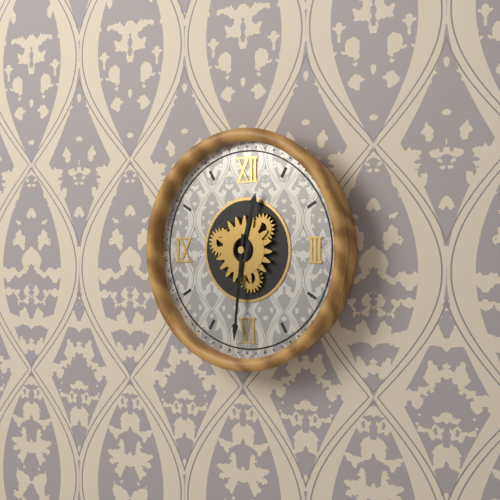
12:31
